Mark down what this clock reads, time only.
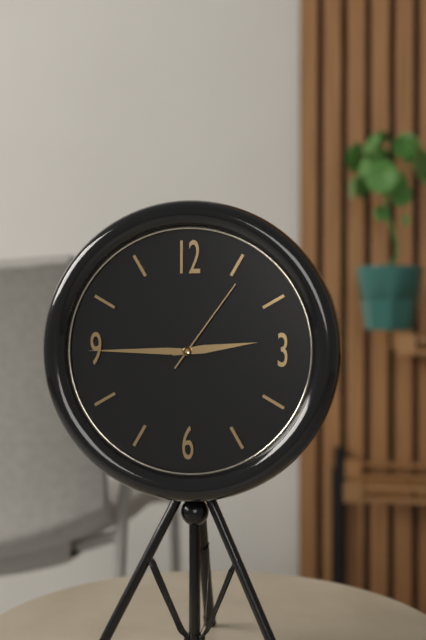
2:45:06
